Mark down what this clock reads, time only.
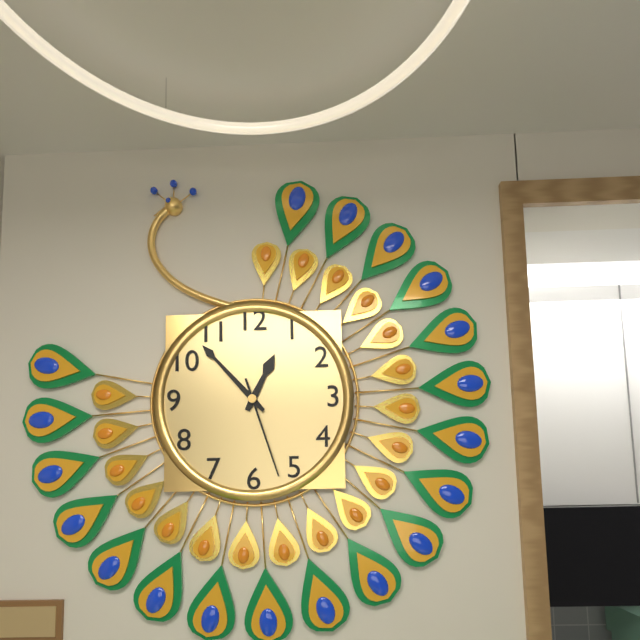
12:53:27
